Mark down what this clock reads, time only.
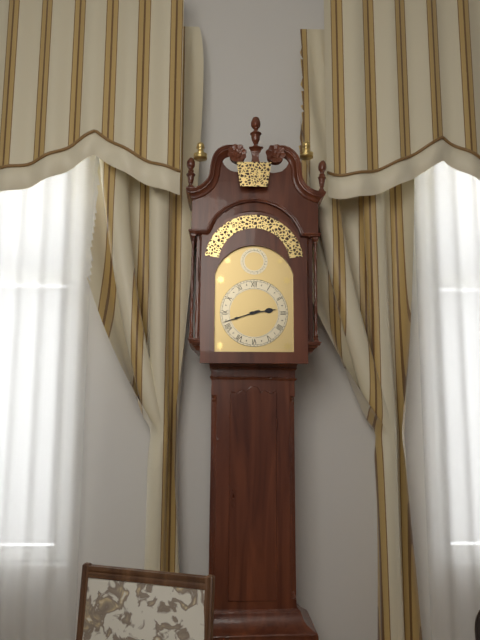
2:42
